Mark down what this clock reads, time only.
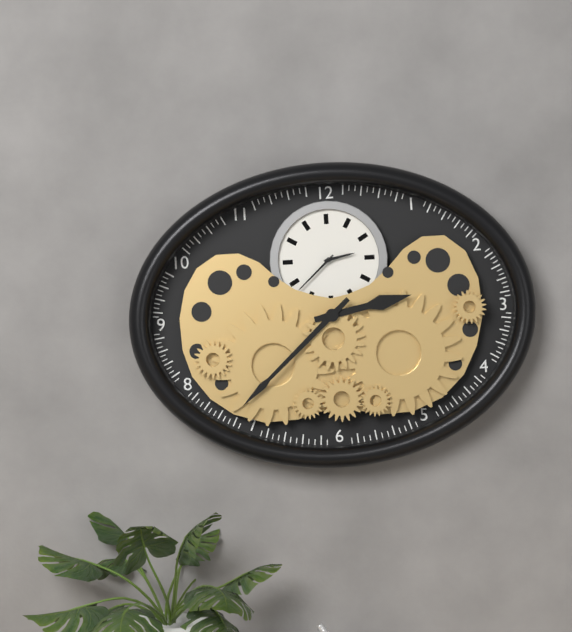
2:38
